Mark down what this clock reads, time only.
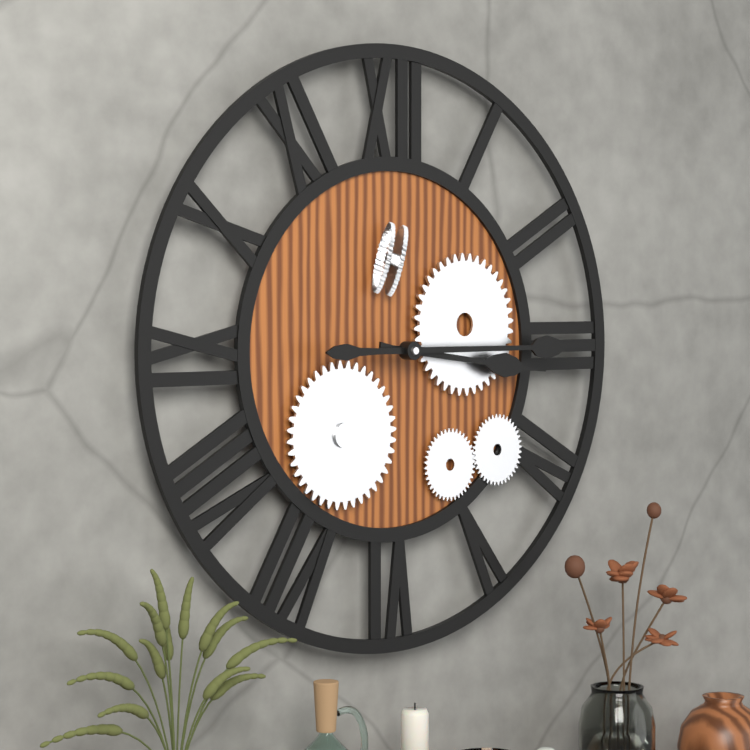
3:15
